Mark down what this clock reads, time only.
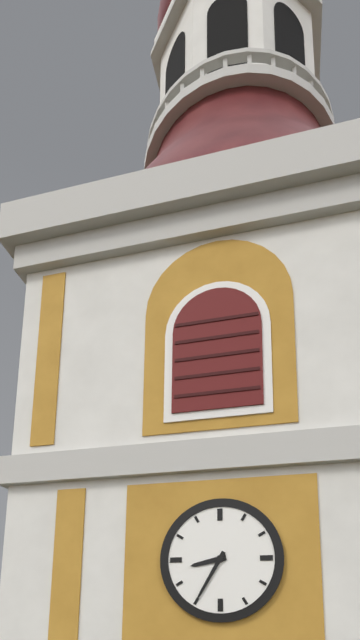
8:35
